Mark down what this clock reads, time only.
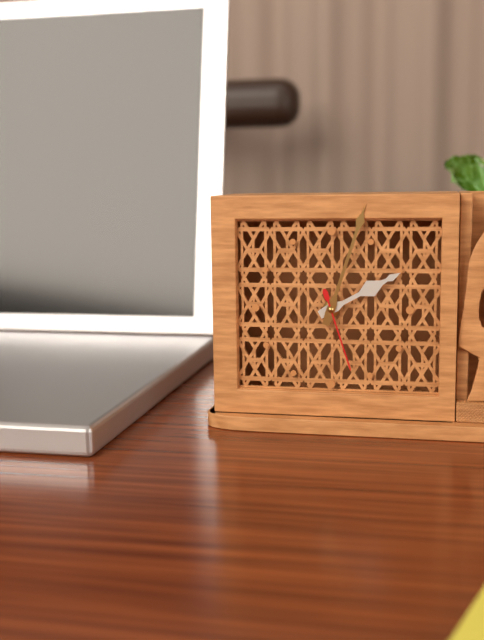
2:03:27
